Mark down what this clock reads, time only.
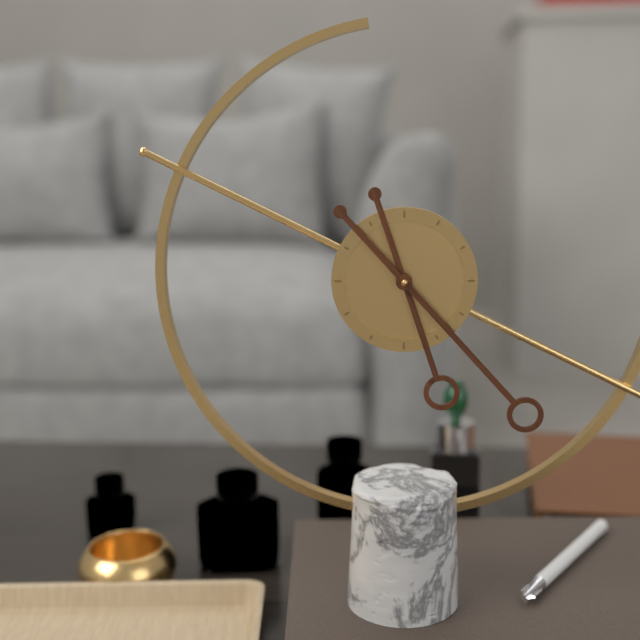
5:23
